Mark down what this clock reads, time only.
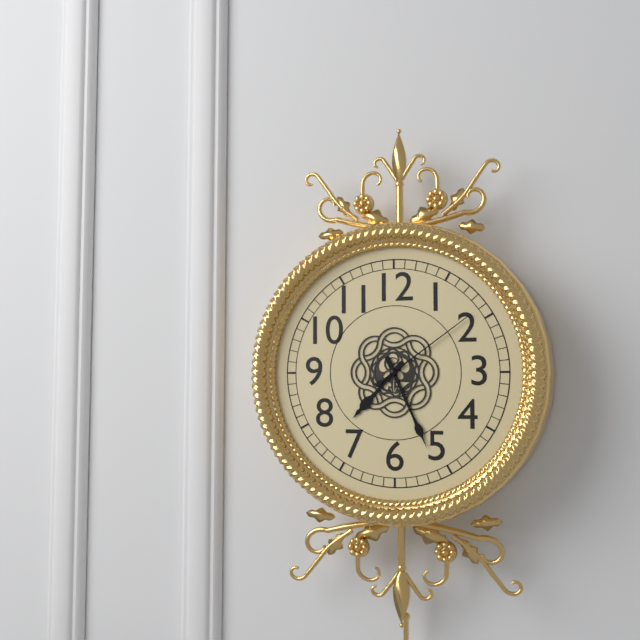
7:26:09
